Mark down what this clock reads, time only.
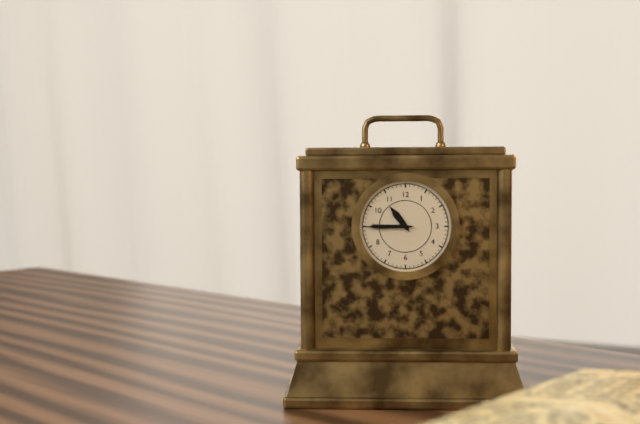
10:45
